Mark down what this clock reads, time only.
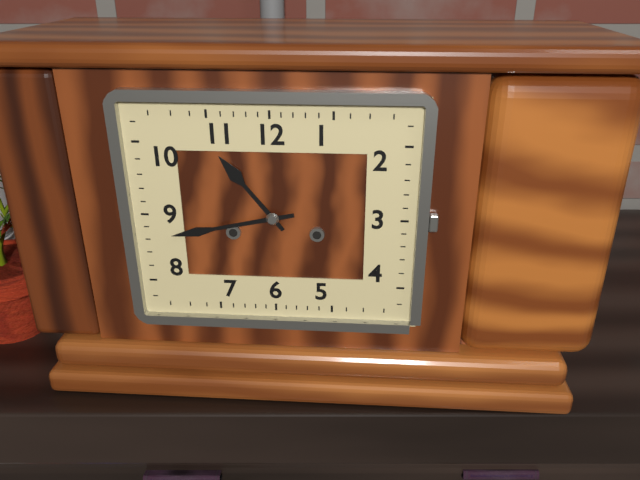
10:43
